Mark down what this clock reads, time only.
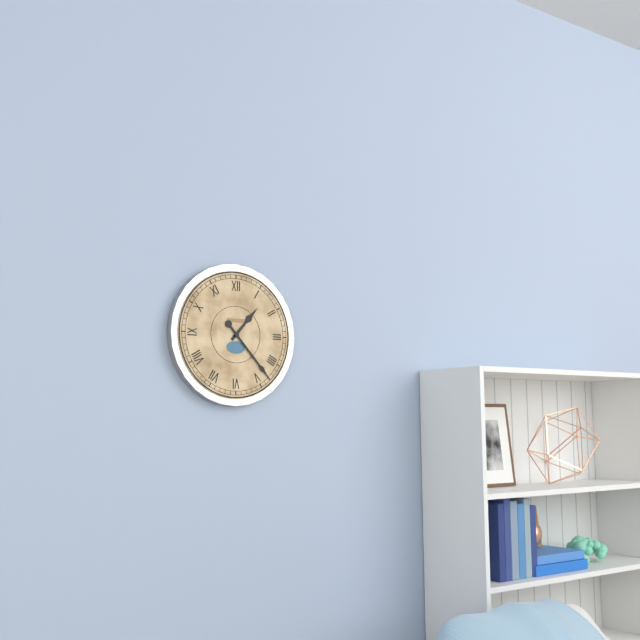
1:23
